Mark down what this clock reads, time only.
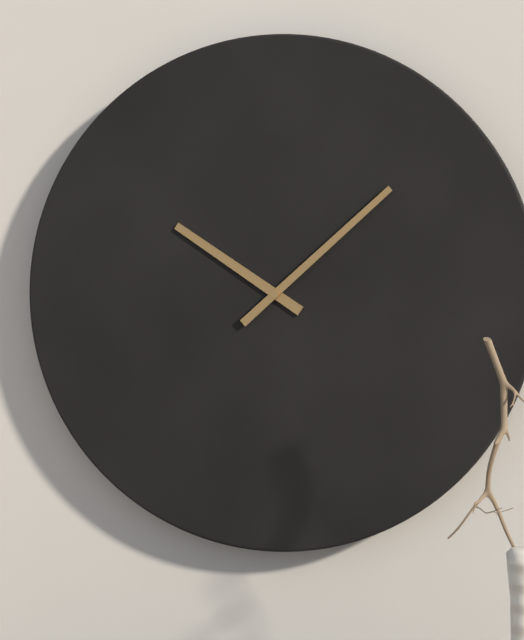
10:08
